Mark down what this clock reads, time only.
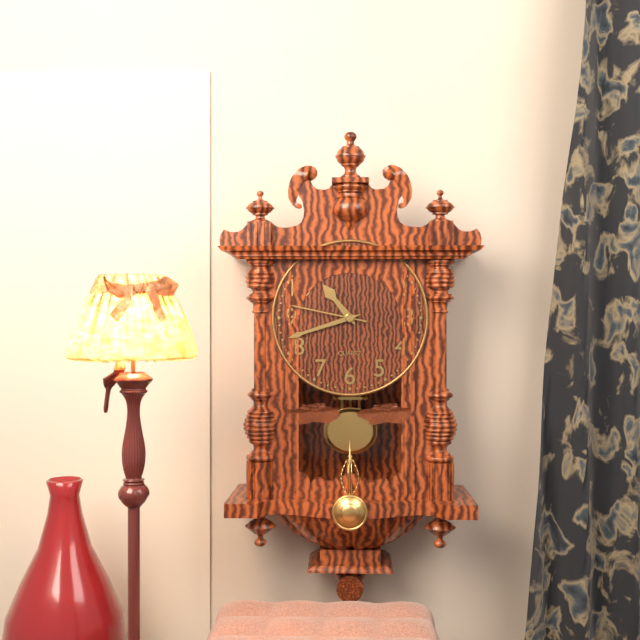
10:42:47
